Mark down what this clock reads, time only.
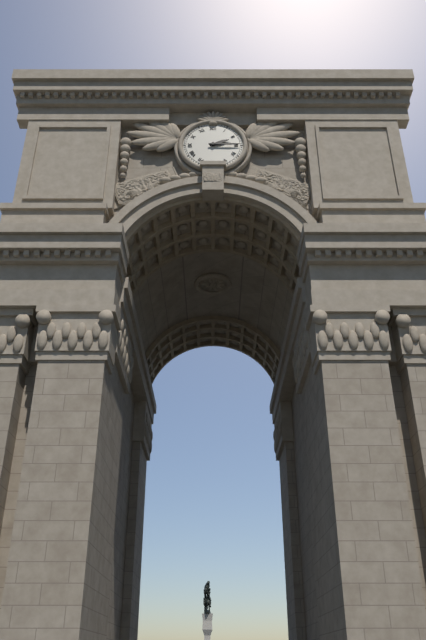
2:15
